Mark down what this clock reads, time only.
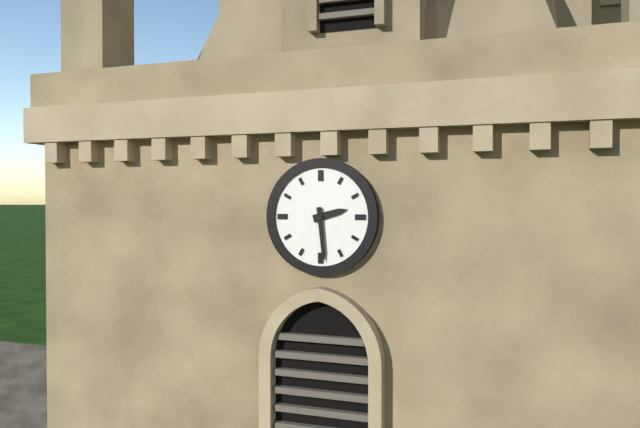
2:29
